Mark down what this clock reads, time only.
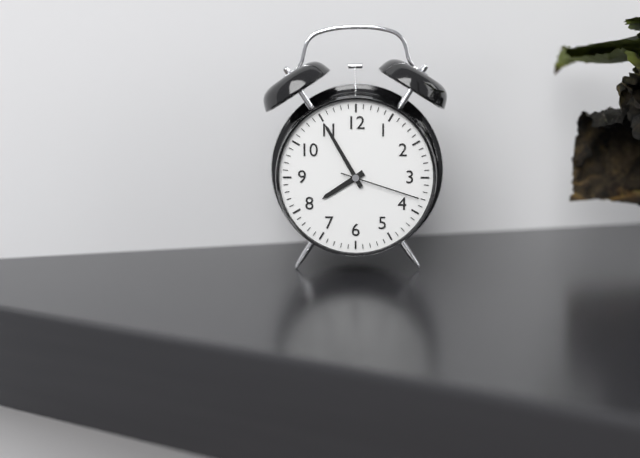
7:55:18
